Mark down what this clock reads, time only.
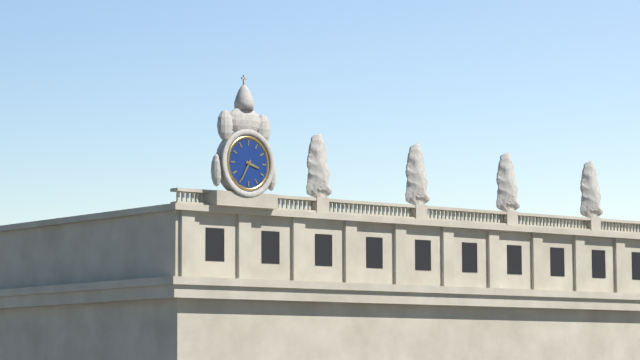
3:35
